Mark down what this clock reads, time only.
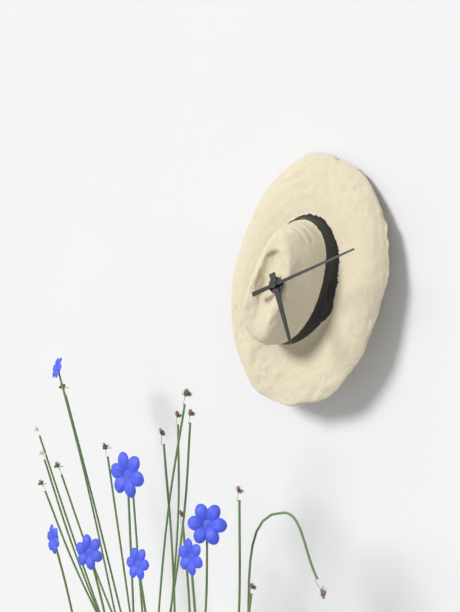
5:11
